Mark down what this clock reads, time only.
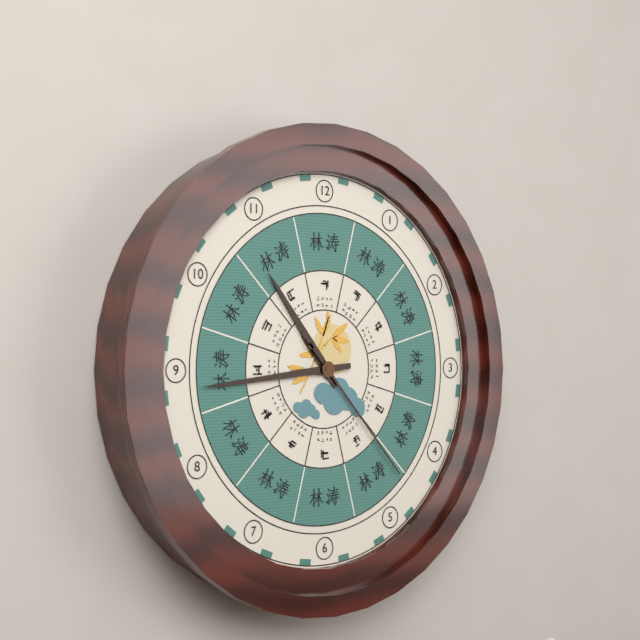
10:44:23
